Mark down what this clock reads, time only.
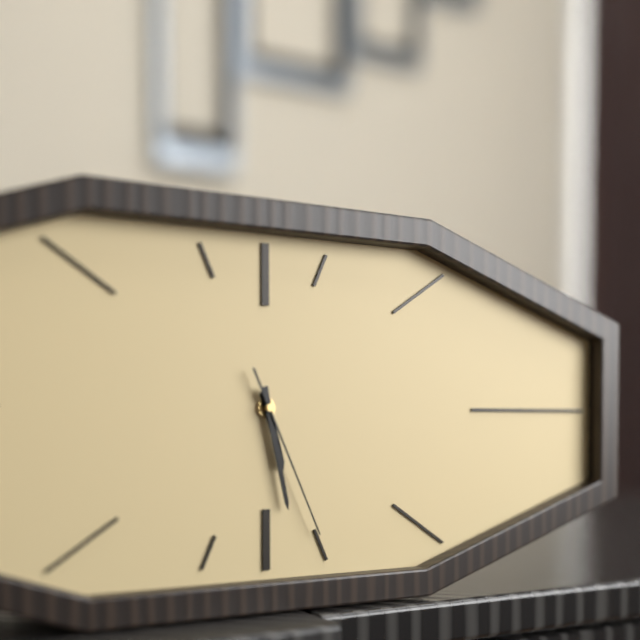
5:28:26
